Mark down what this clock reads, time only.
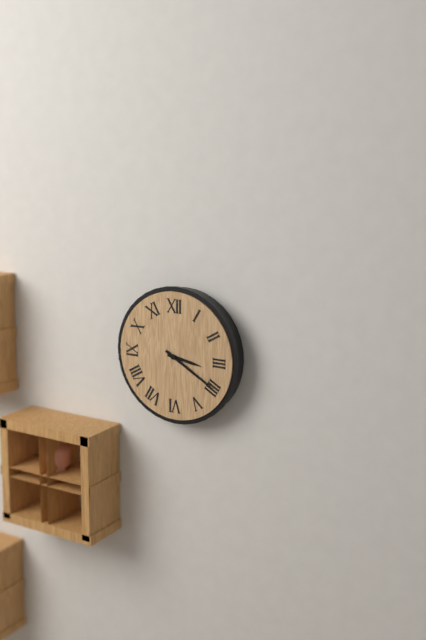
3:20
